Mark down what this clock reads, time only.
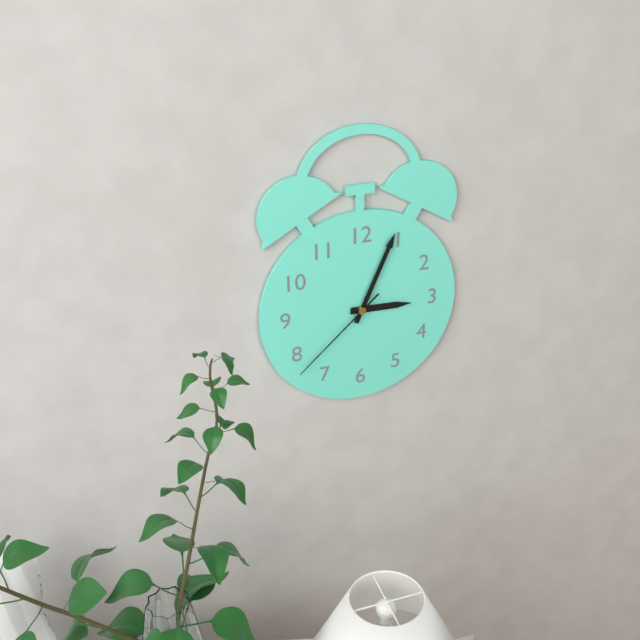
3:04:38
